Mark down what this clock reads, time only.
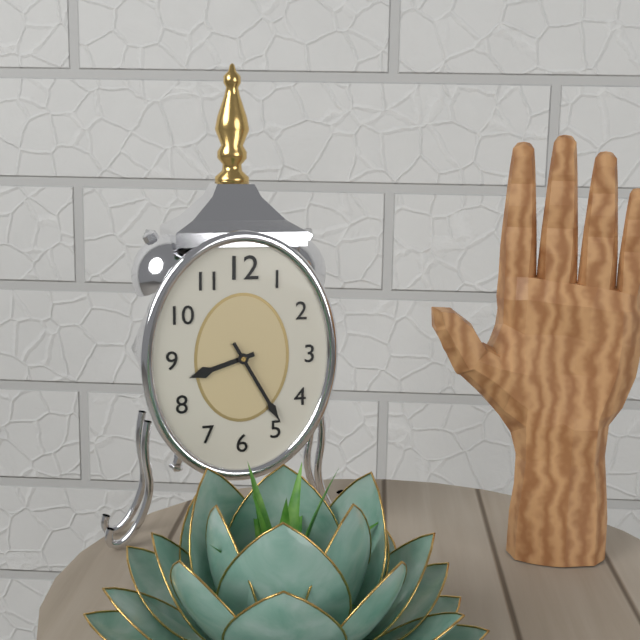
8:25
